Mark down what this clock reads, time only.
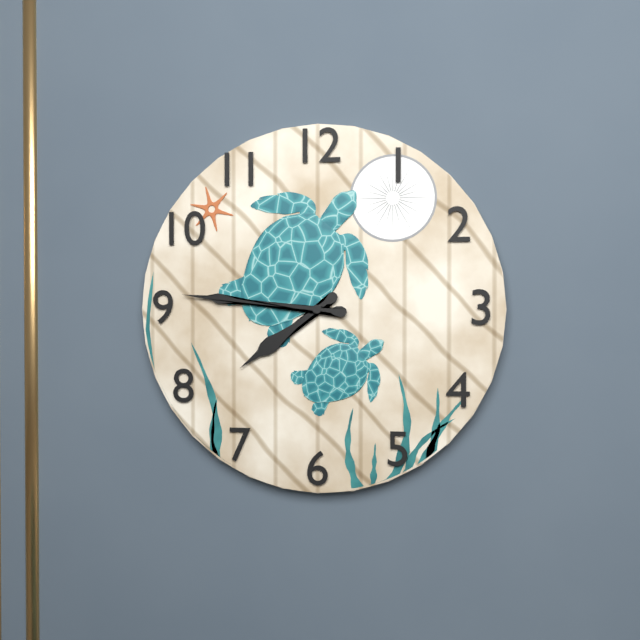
7:46
